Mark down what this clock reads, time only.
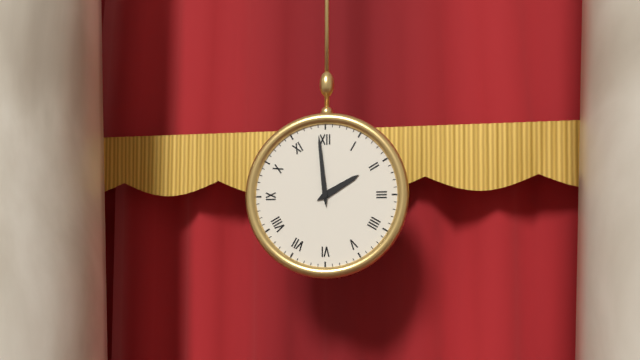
1:59
